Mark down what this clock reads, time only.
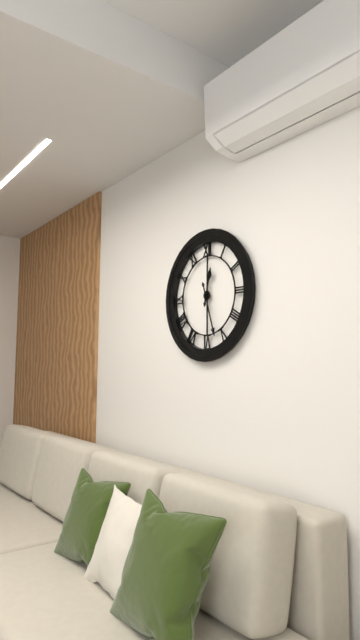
12:27
